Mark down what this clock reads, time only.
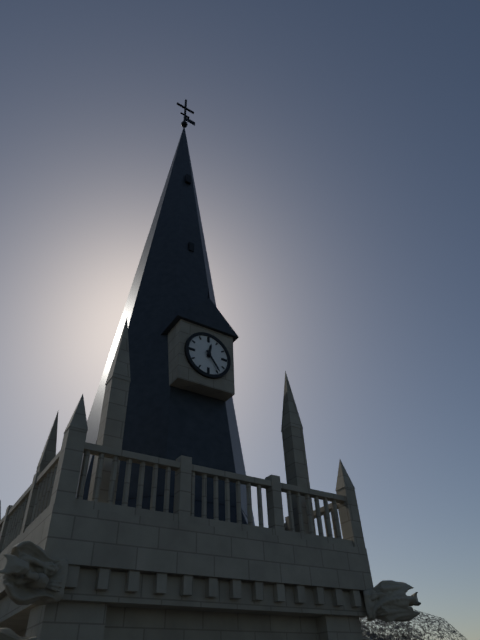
12:24
